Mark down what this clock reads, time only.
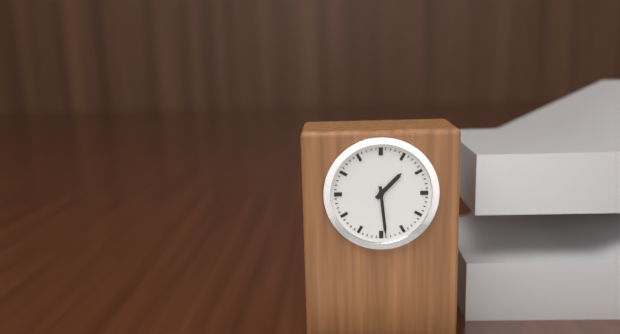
1:29
